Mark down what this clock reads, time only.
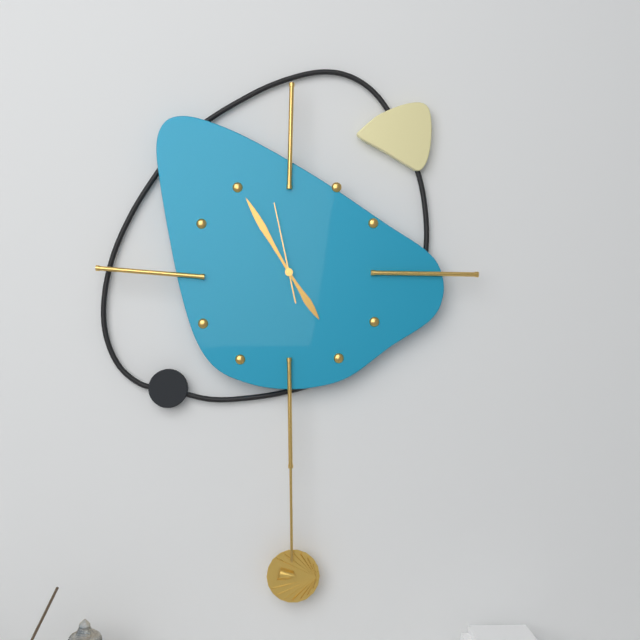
4:55:58
